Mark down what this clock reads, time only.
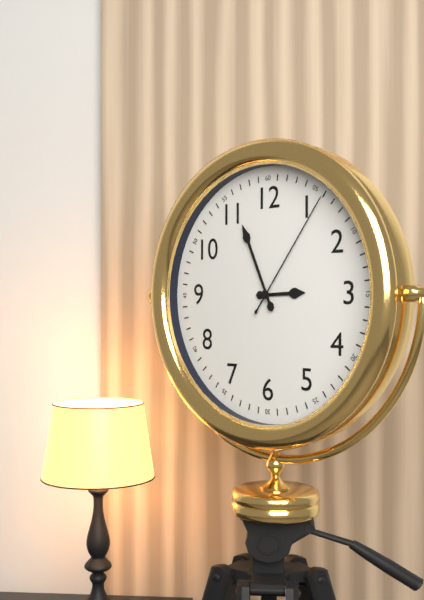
2:56:06
